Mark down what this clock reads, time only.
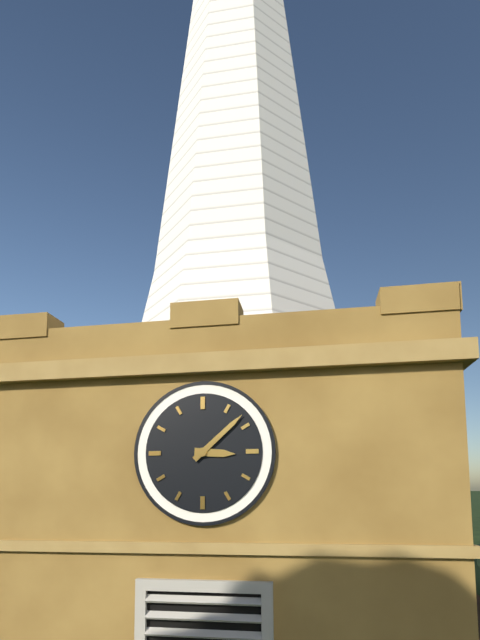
3:08
